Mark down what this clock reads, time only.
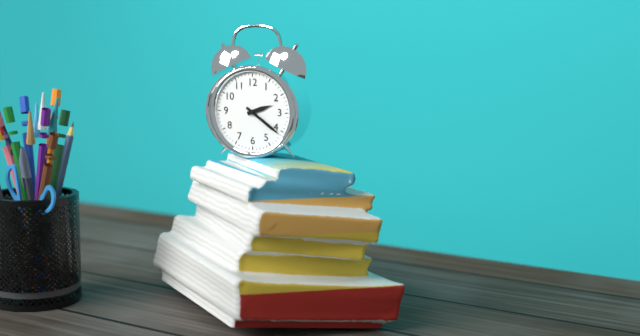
2:21
